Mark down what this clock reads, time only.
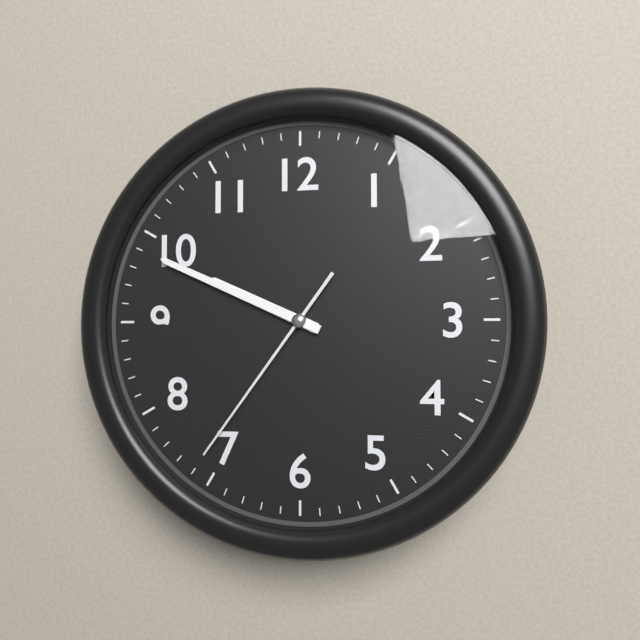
9:49:36
